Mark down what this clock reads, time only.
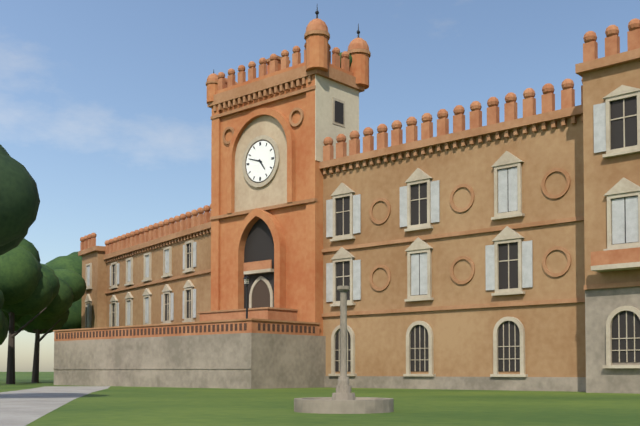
4:48
